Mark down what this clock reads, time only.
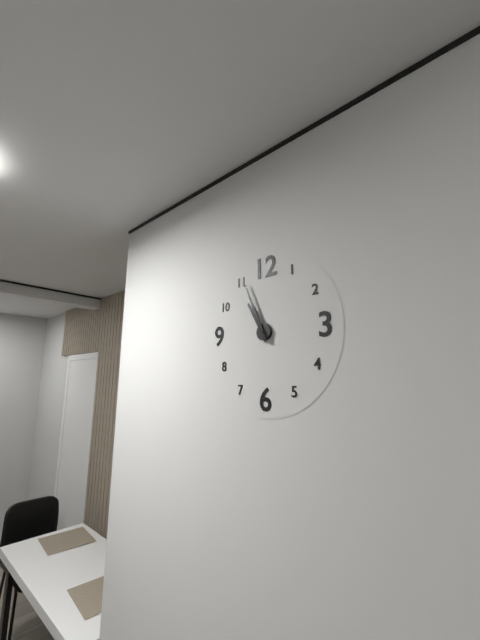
10:56
